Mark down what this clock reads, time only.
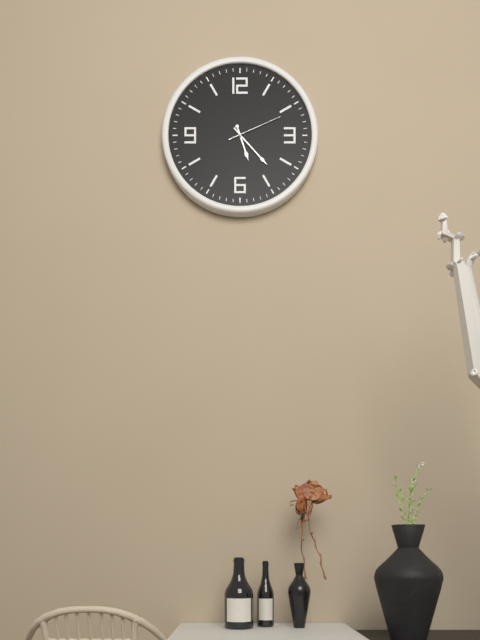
5:23:11
